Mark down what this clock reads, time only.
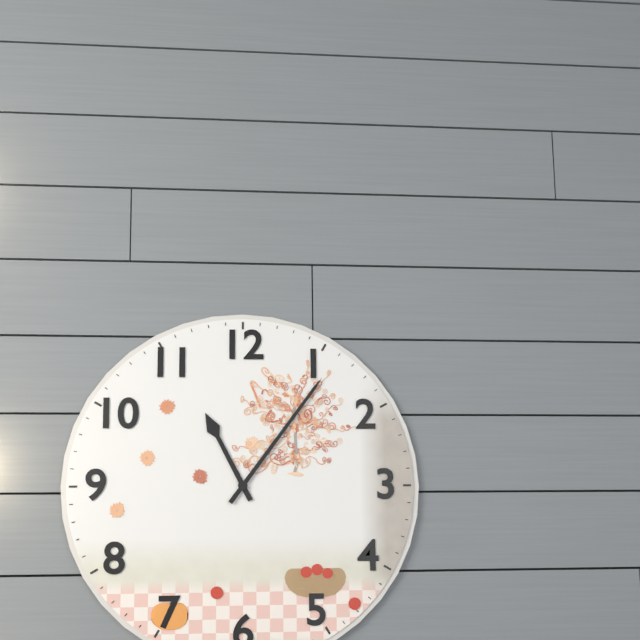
11:06
